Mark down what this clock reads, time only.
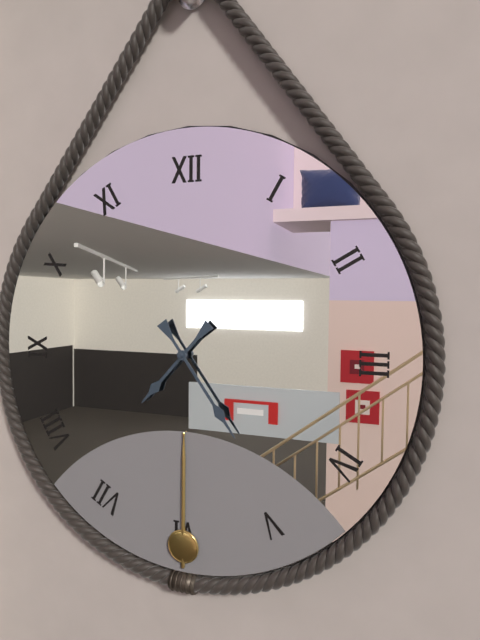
7:24
